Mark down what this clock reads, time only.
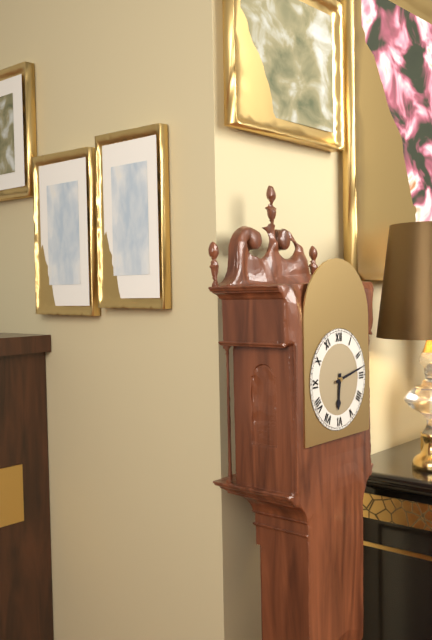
6:13
